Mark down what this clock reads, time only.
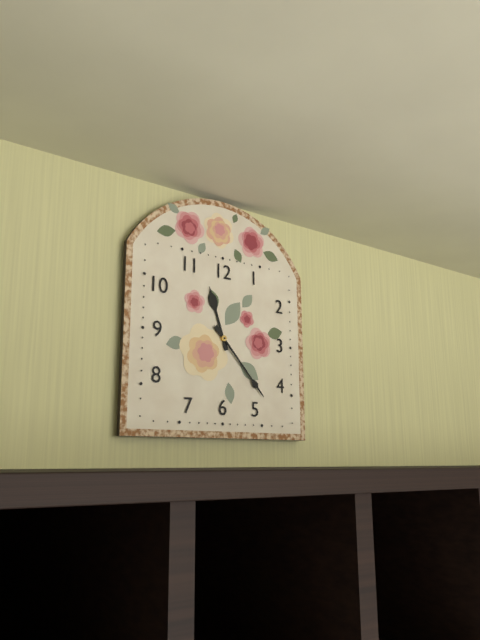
11:23
